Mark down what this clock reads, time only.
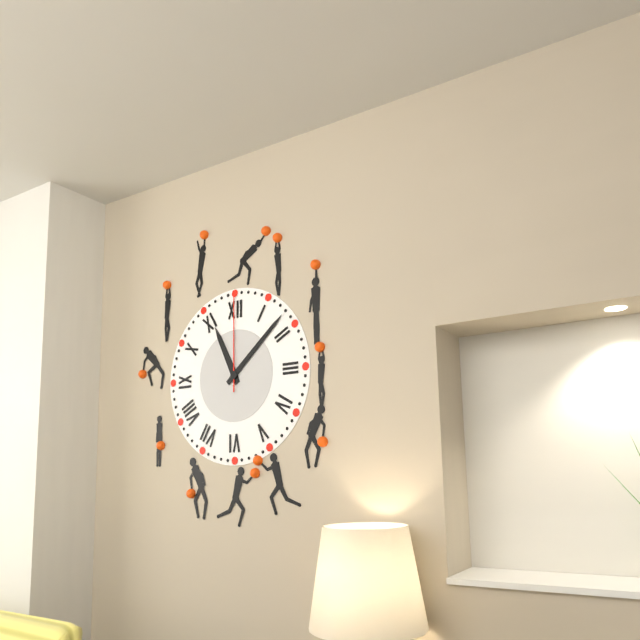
11:08:00
